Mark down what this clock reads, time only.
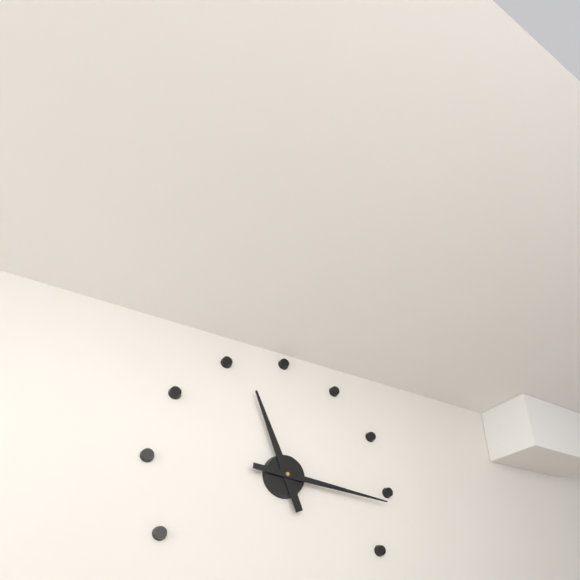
11:16
